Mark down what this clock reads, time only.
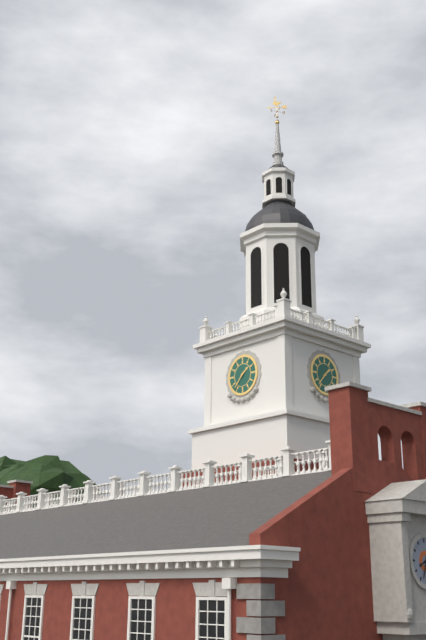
1:37
